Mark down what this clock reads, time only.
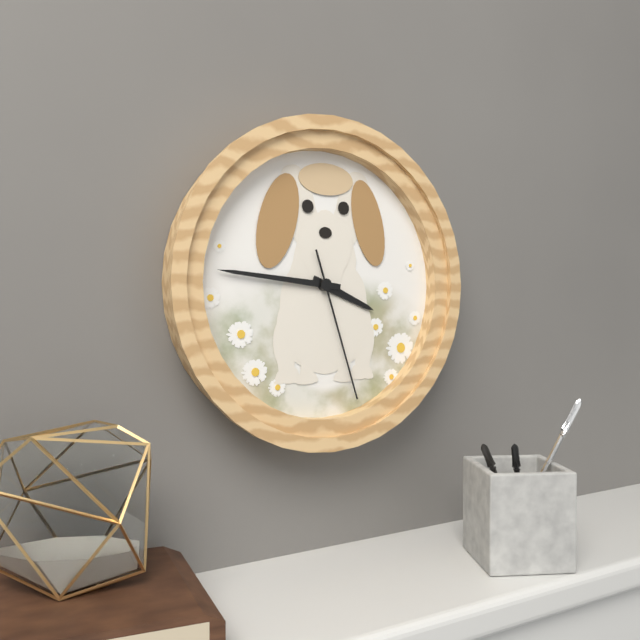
3:46:27
